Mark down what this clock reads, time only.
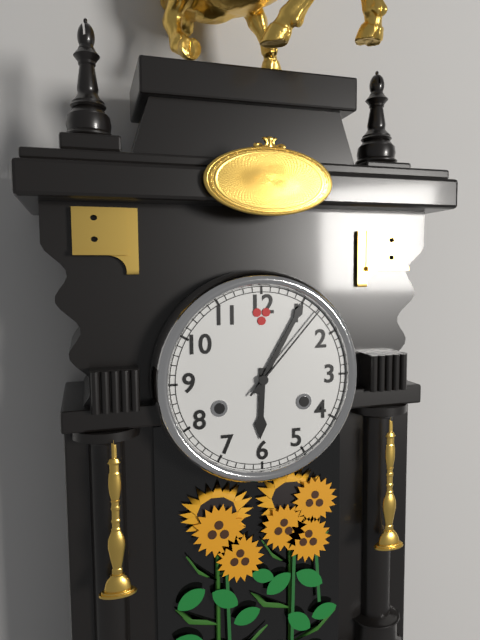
6:05:07
